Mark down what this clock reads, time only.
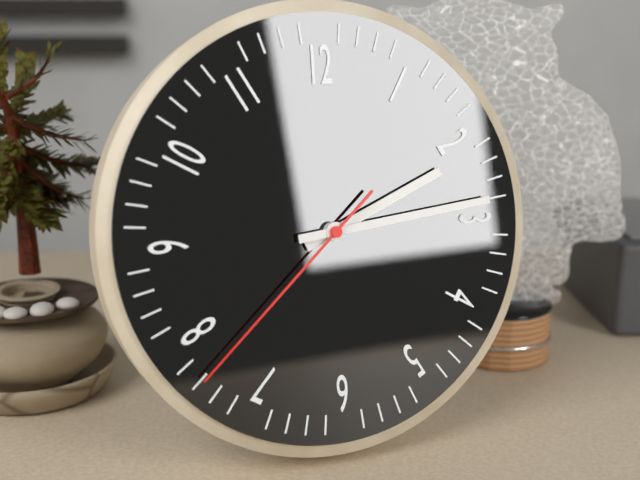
2:14:38
